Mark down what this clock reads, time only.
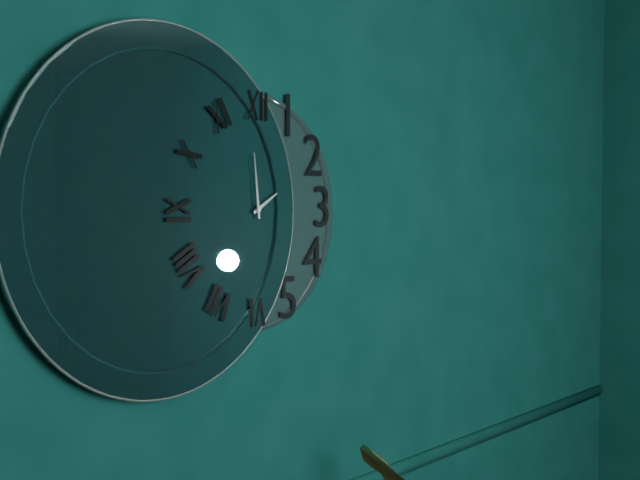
1:59
